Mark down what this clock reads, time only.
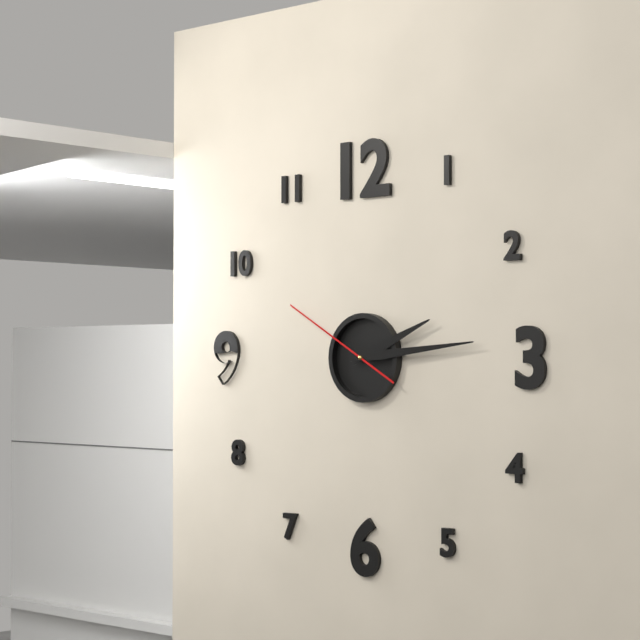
2:14:50
